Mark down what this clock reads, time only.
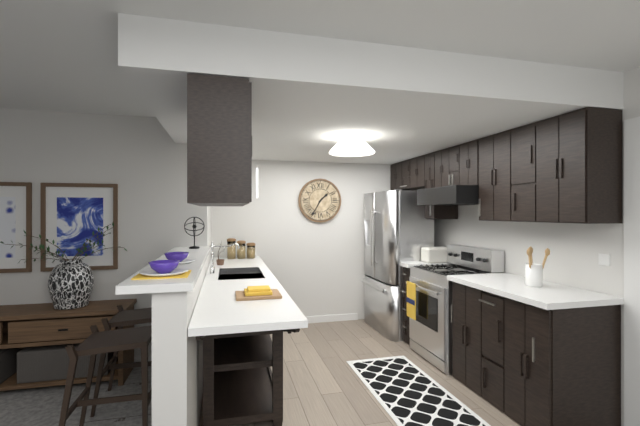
1:35
